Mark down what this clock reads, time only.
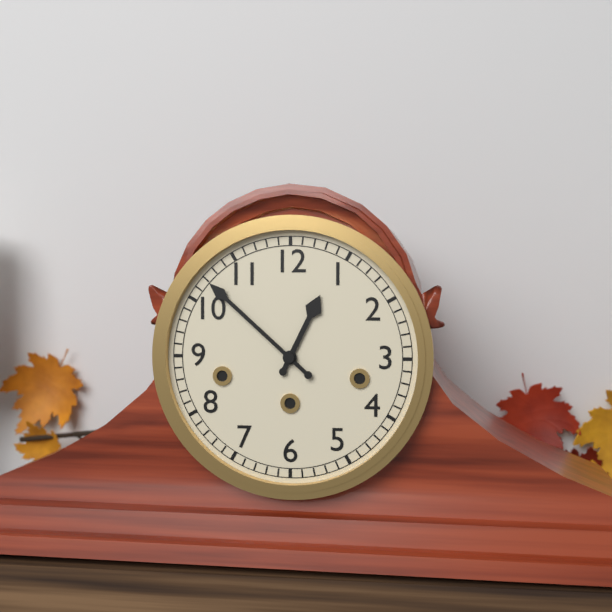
12:52
